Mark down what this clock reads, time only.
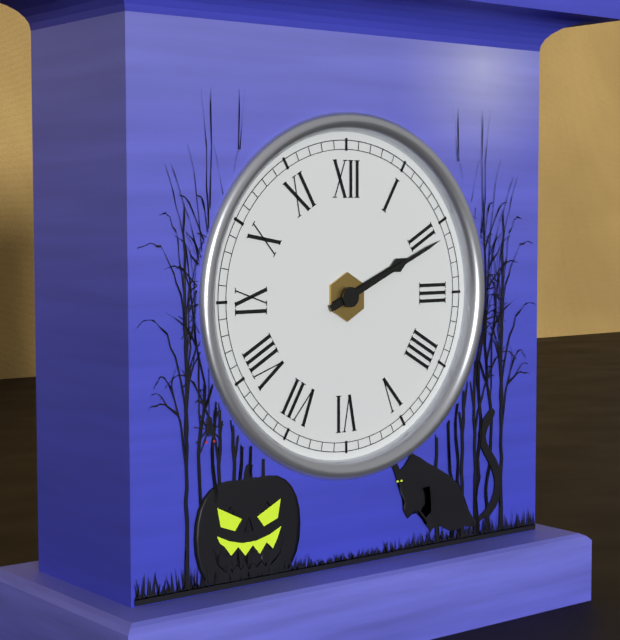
2:11
